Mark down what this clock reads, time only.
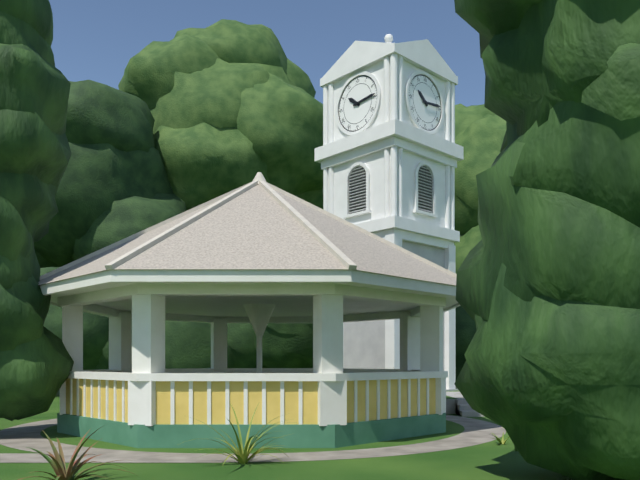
10:14
